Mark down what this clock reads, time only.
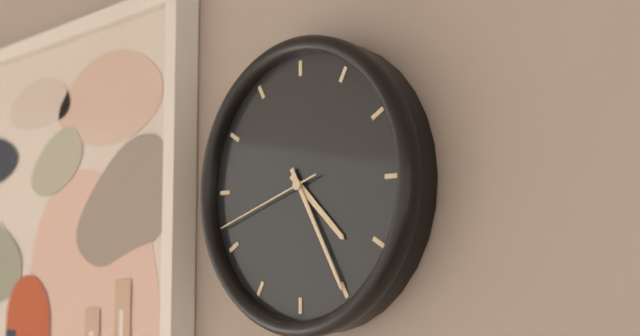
4:25:42
